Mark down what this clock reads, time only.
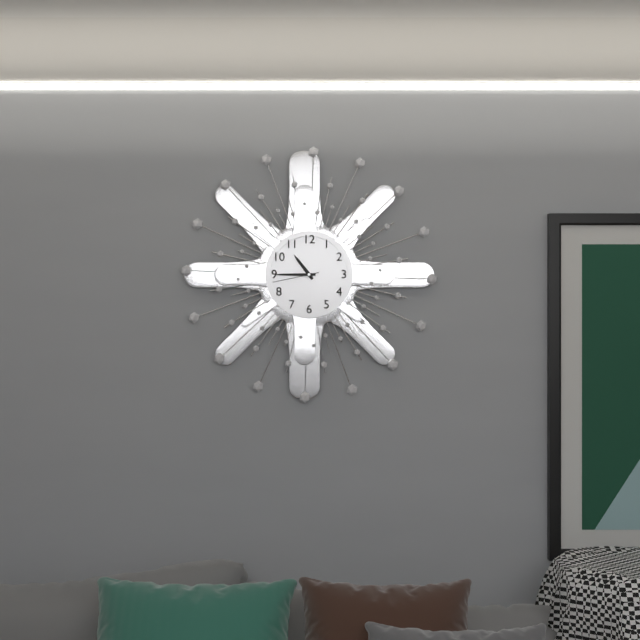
10:45
